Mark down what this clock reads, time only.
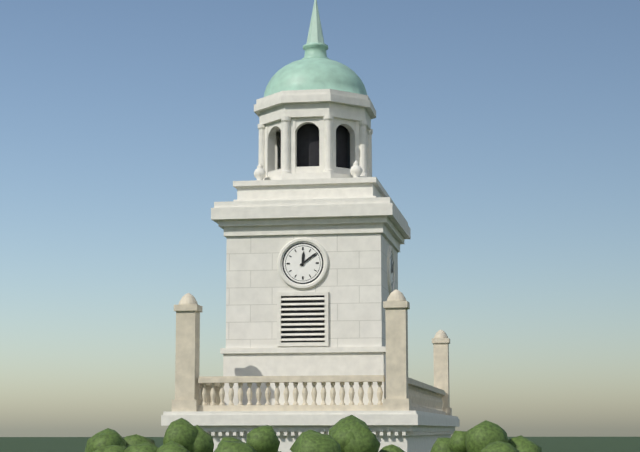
12:09
